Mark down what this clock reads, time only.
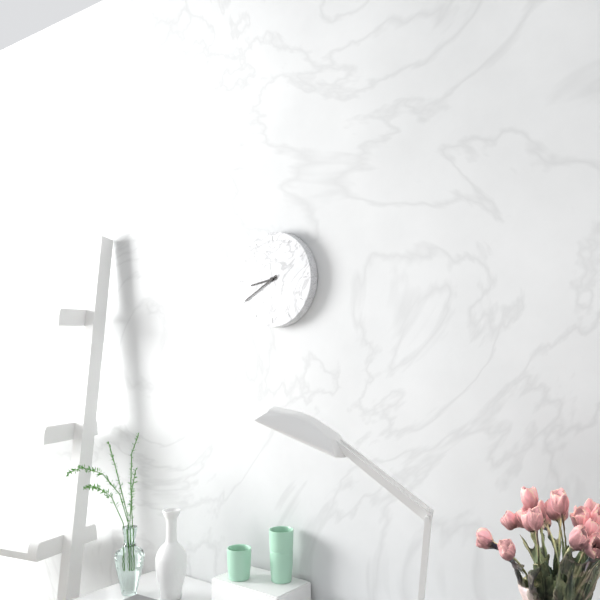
8:40
